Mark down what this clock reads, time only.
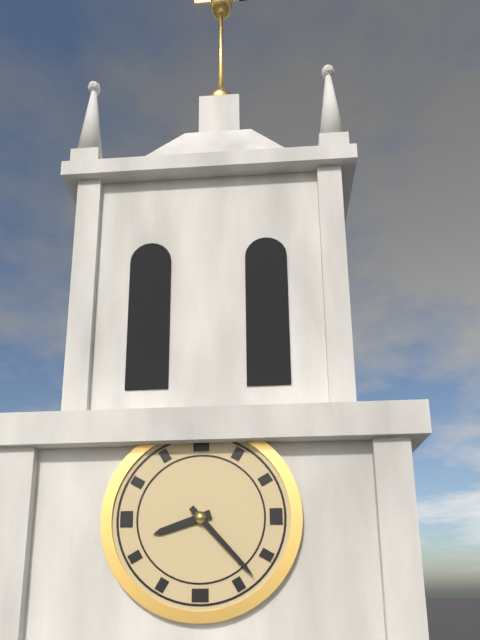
8:23
